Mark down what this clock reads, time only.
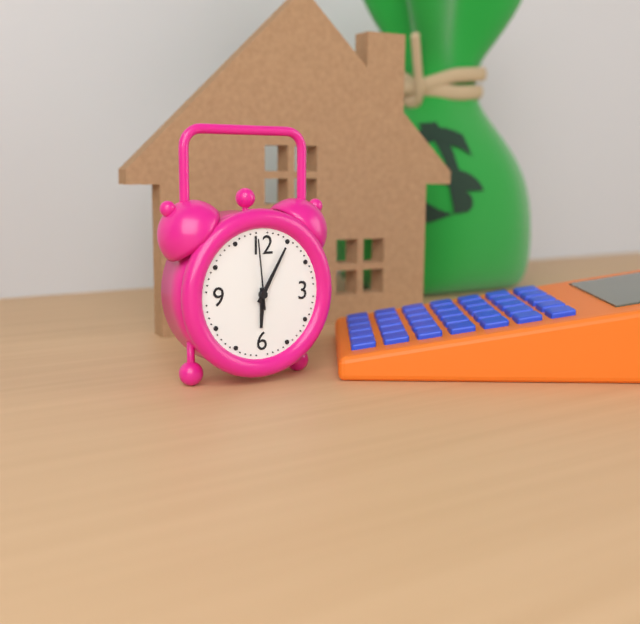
6:05:59
